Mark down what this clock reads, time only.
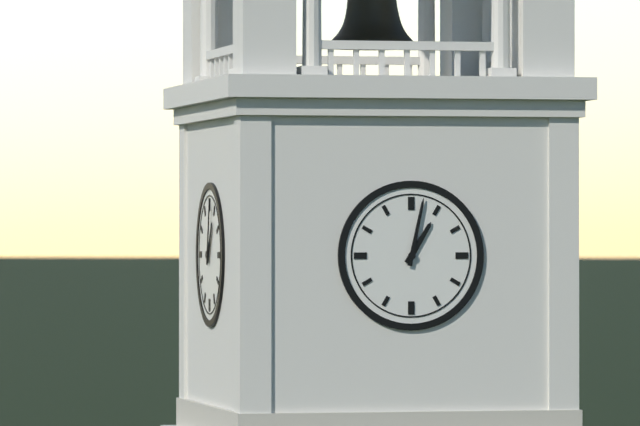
1:02
